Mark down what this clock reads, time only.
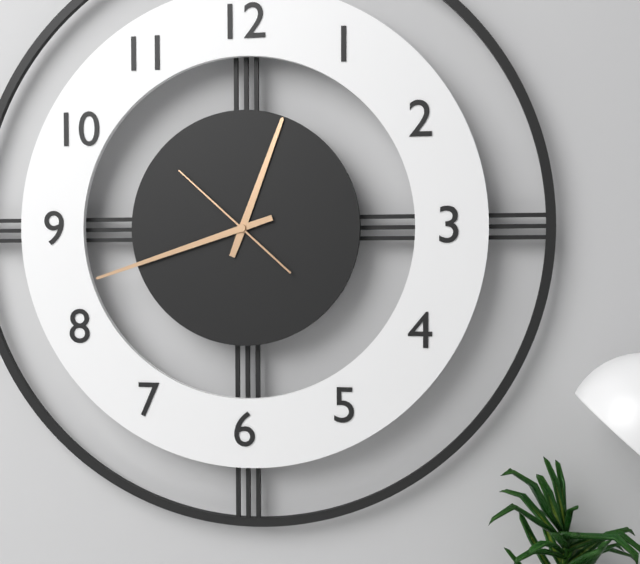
12:42:52
